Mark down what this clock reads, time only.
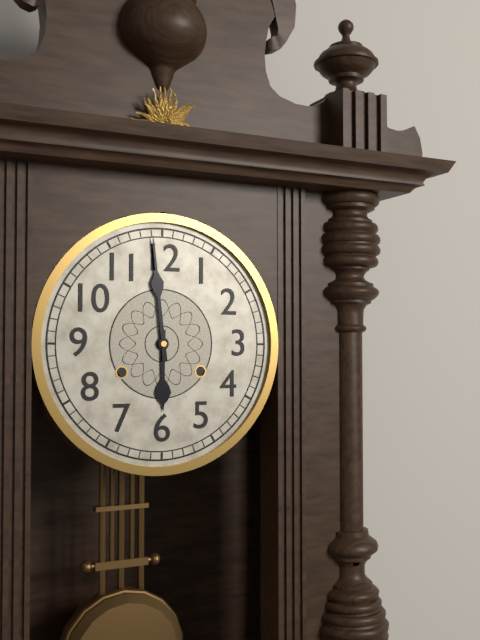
5:59
